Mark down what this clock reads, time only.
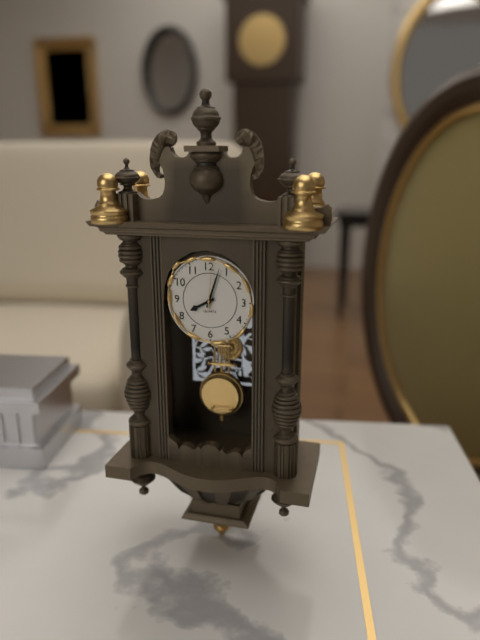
8:03
